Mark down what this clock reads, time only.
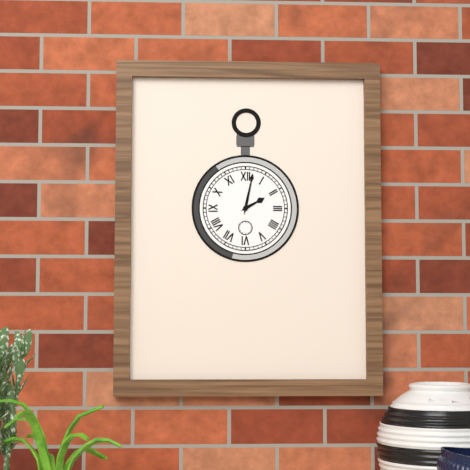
2:02
